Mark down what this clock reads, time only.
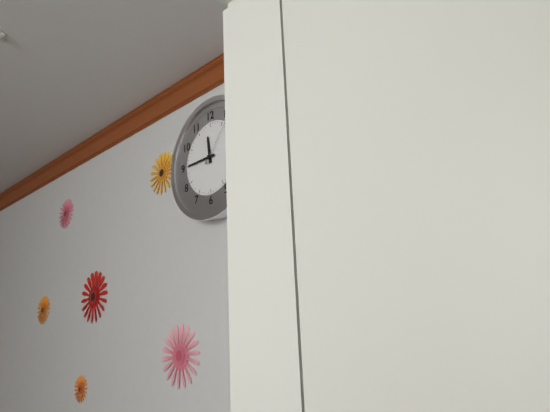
11:45
